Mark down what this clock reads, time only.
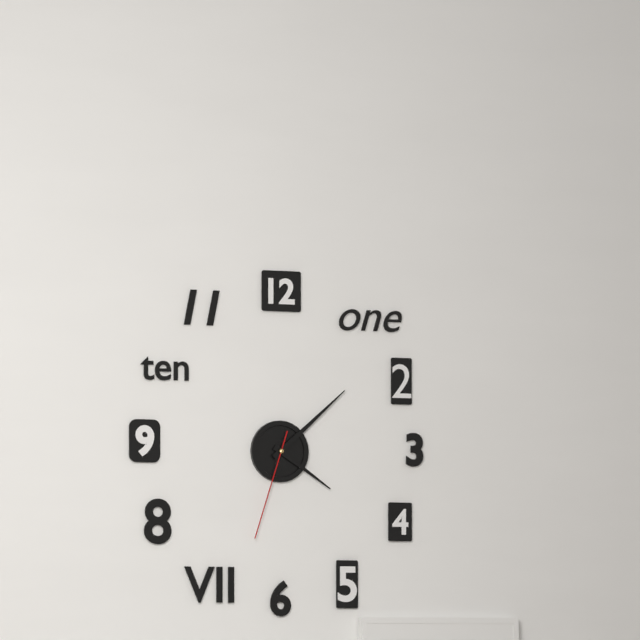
4:08:33
